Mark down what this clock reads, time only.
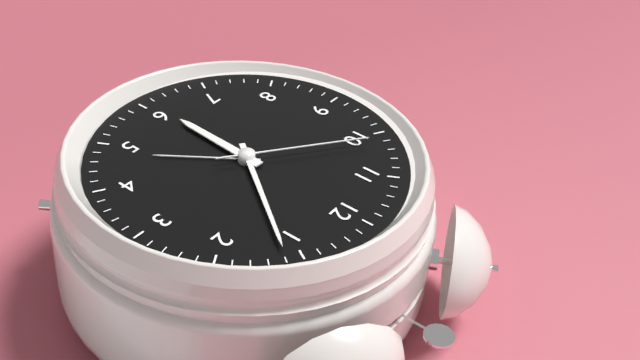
6:06:51
